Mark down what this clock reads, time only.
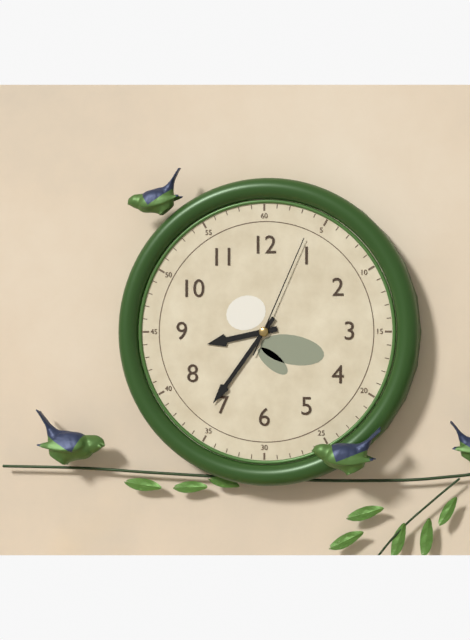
8:36:04
